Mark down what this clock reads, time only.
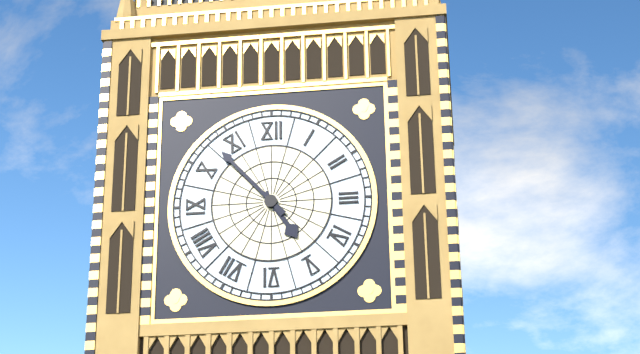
4:53
